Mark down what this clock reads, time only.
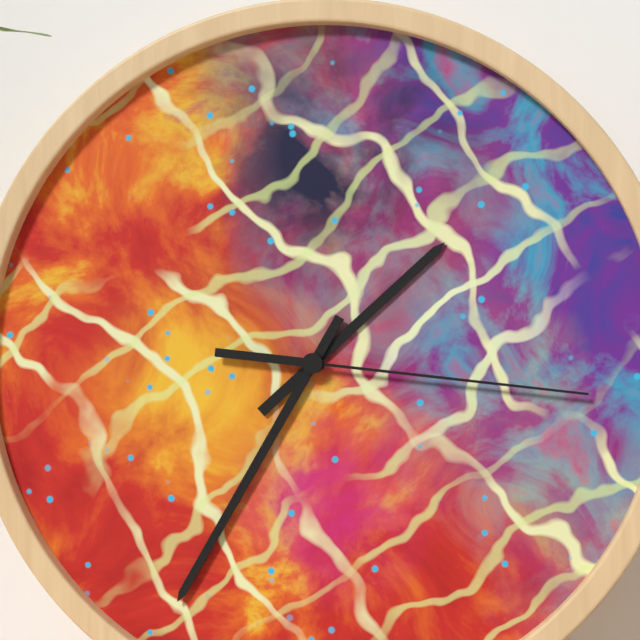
1:35:16
